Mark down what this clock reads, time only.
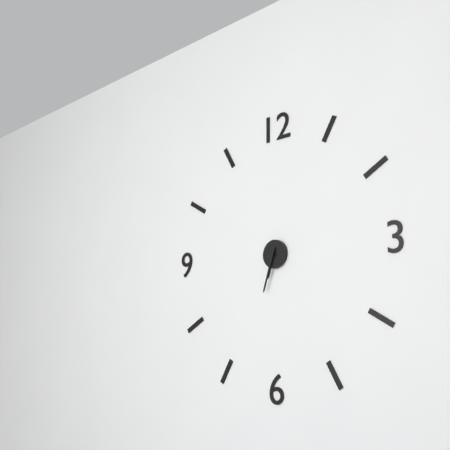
6:33
